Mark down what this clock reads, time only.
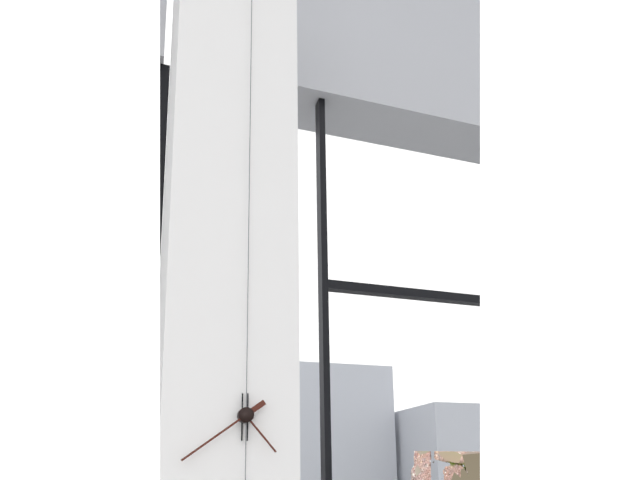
4:39
